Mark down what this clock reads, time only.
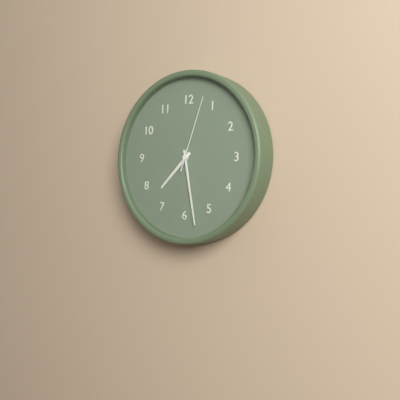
7:28:03
